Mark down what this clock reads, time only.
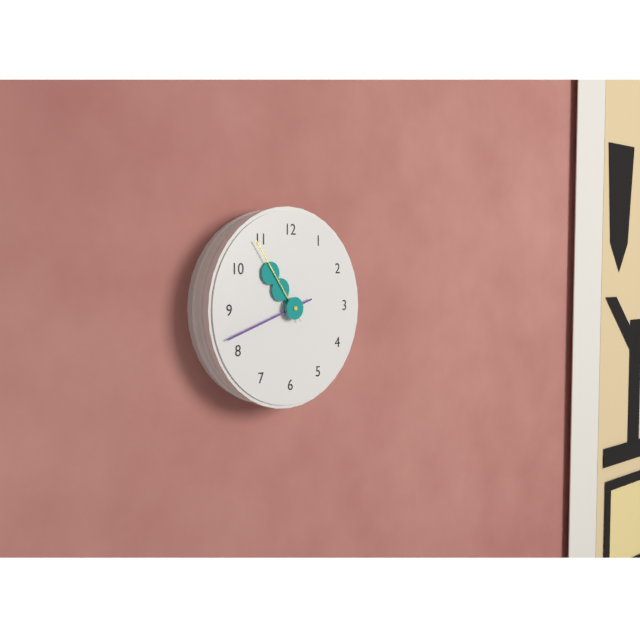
10:42:54
